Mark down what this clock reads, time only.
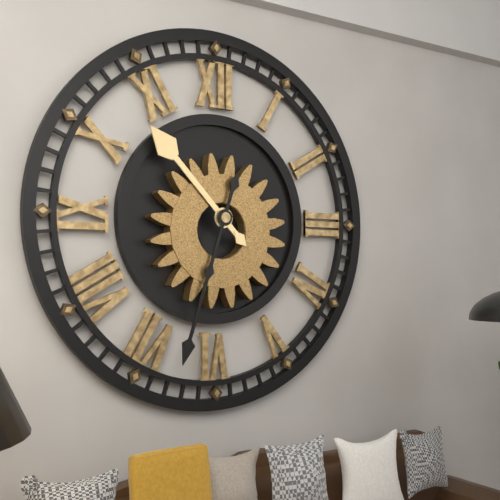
10:33
